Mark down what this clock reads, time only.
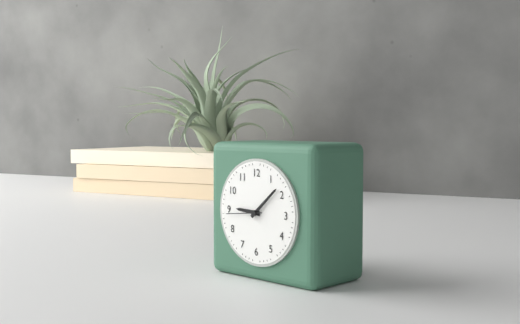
9:08
